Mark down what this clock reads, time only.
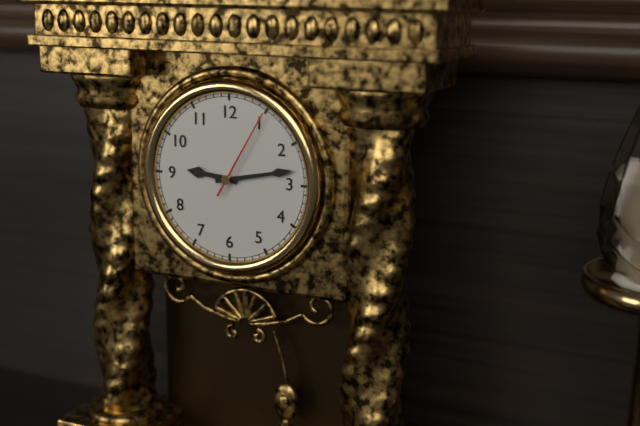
9:13:05
